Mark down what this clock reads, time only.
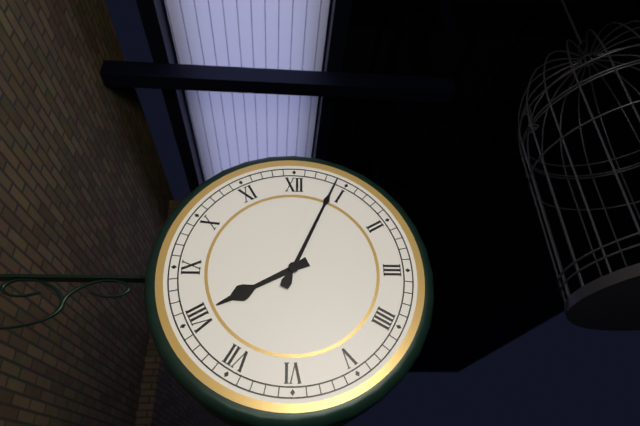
8:04
